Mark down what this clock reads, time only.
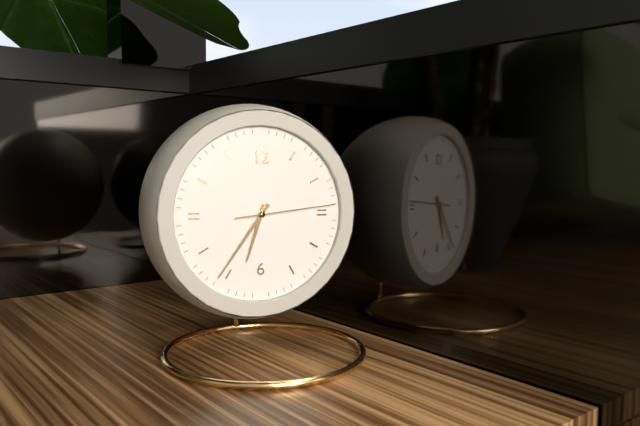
6:36:14
